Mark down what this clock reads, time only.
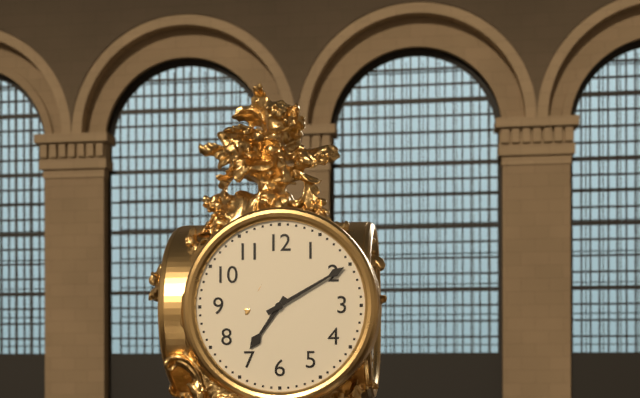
7:10
